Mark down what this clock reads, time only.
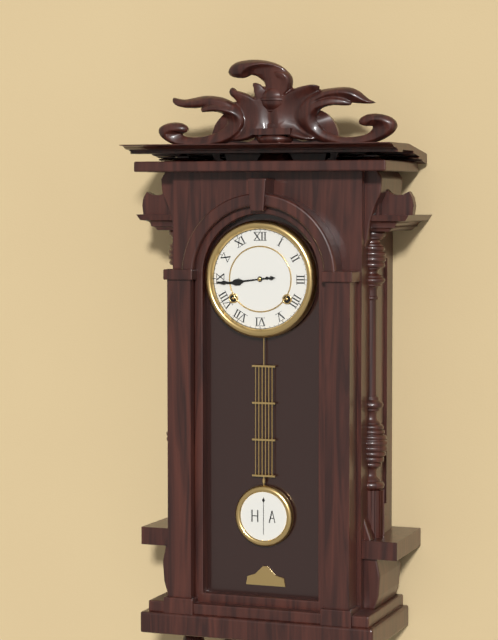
8:44
